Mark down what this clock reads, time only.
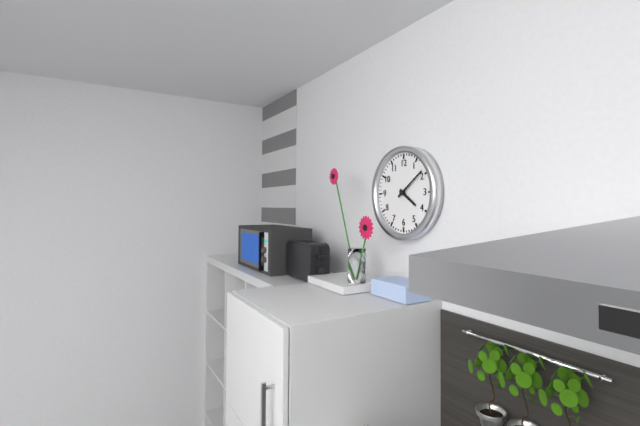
4:09
